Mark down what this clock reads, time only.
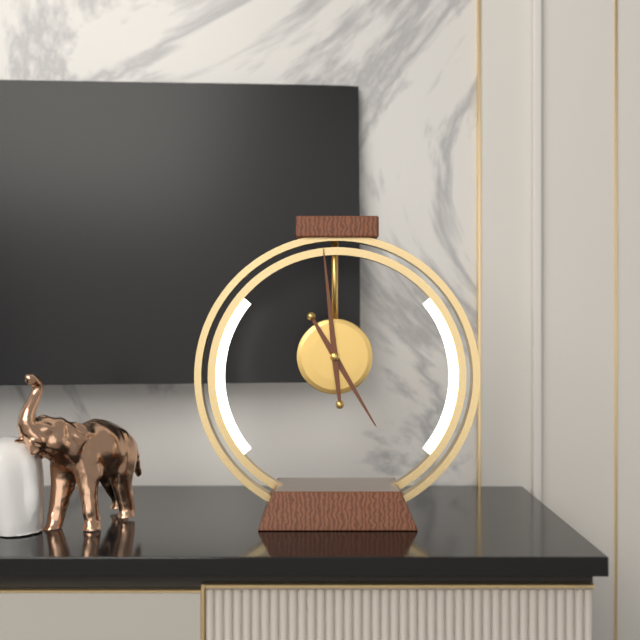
4:59
